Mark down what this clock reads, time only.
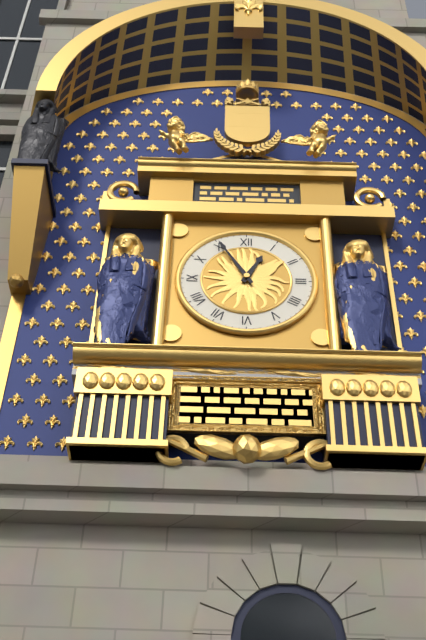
12:55
